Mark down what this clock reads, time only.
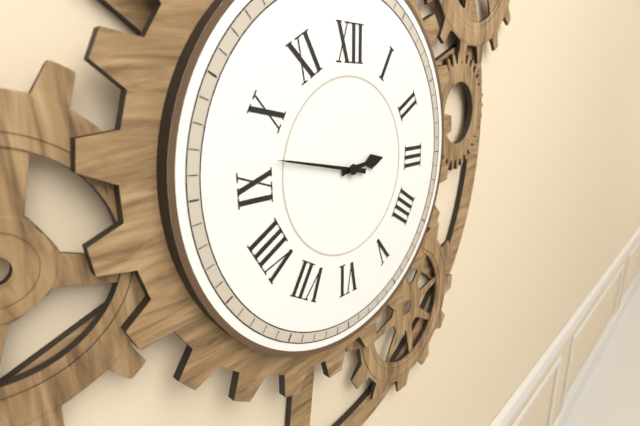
2:47
